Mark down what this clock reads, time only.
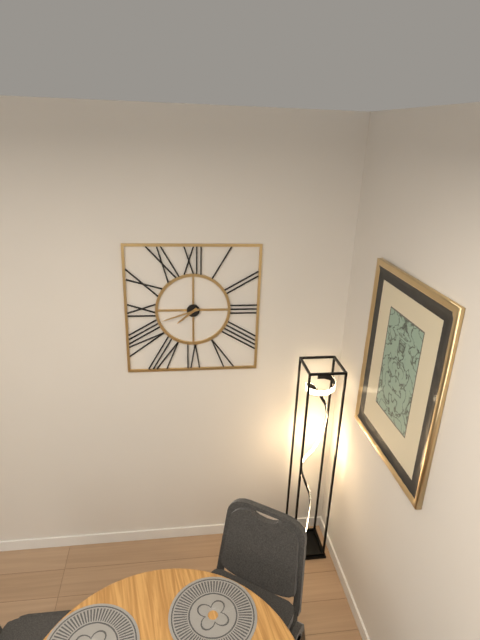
7:42
